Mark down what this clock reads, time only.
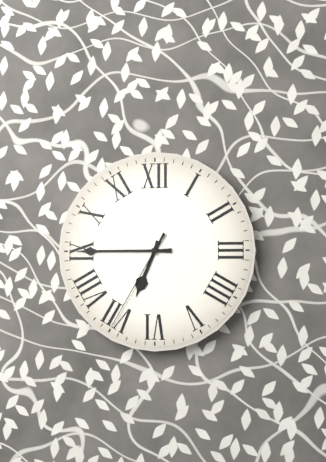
6:45:35
